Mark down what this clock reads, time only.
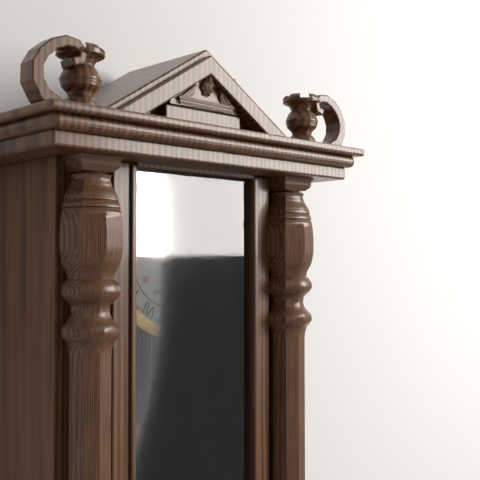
1:23
